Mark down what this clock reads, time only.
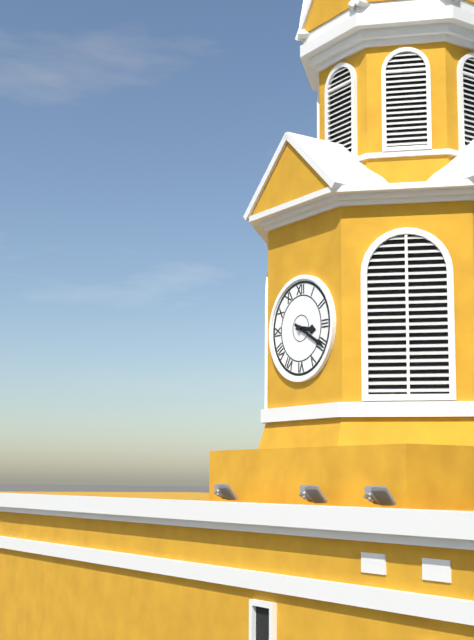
3:20
